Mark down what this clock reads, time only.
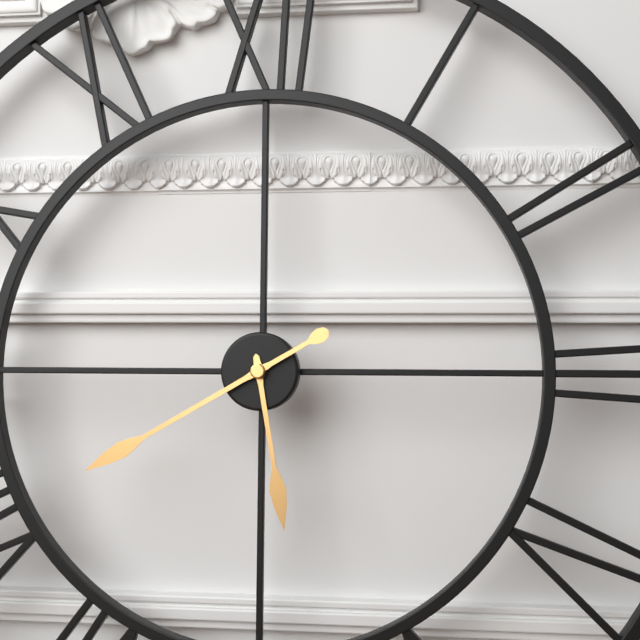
5:40
